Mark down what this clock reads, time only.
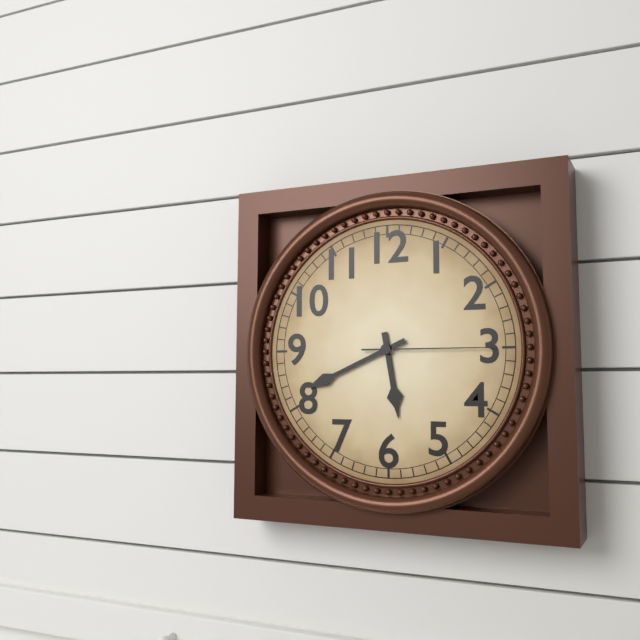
5:41:15
